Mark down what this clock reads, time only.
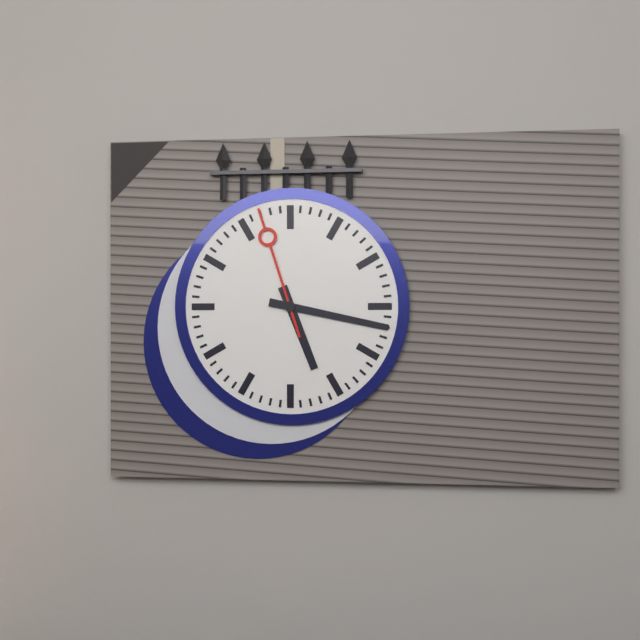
5:17:57
